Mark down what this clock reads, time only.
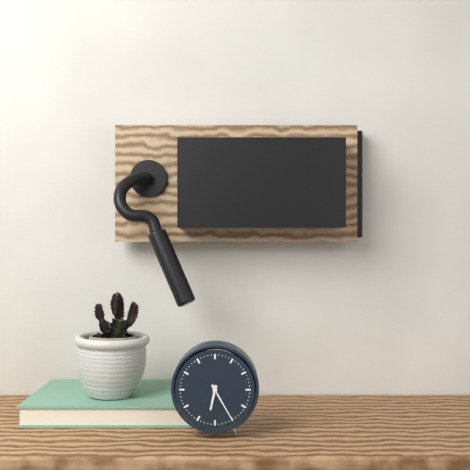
6:25
